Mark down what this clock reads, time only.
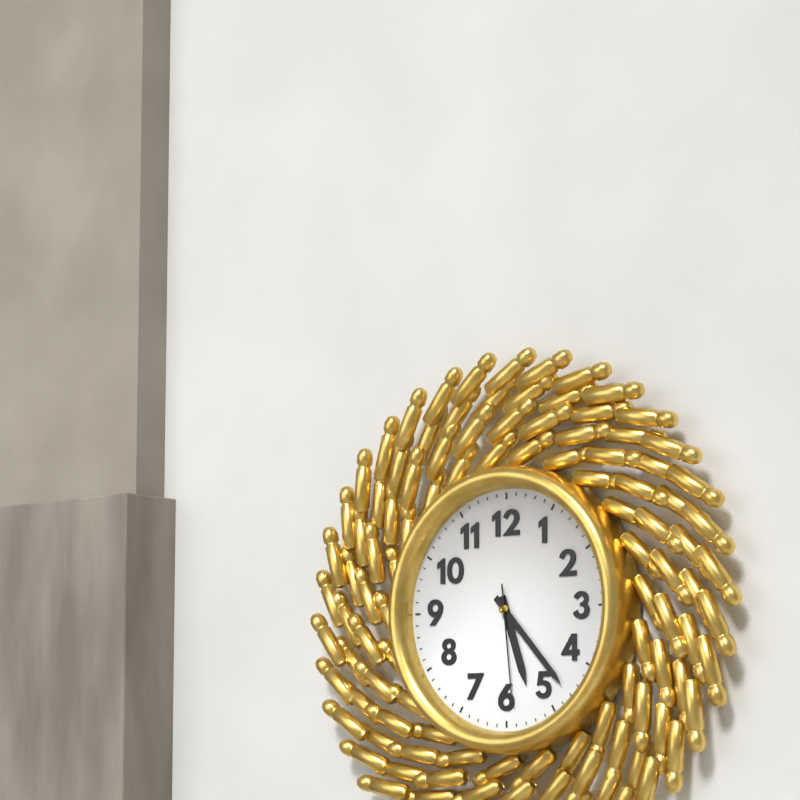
5:23:29
